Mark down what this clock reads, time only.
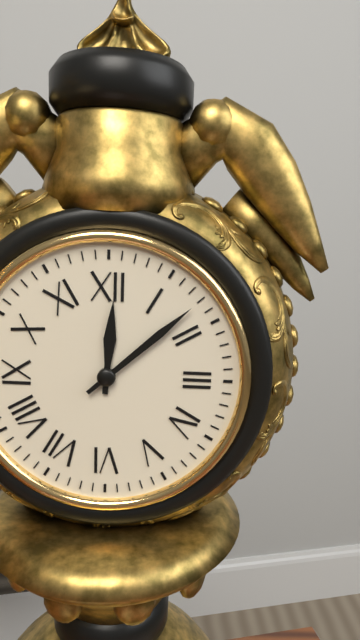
12:08
